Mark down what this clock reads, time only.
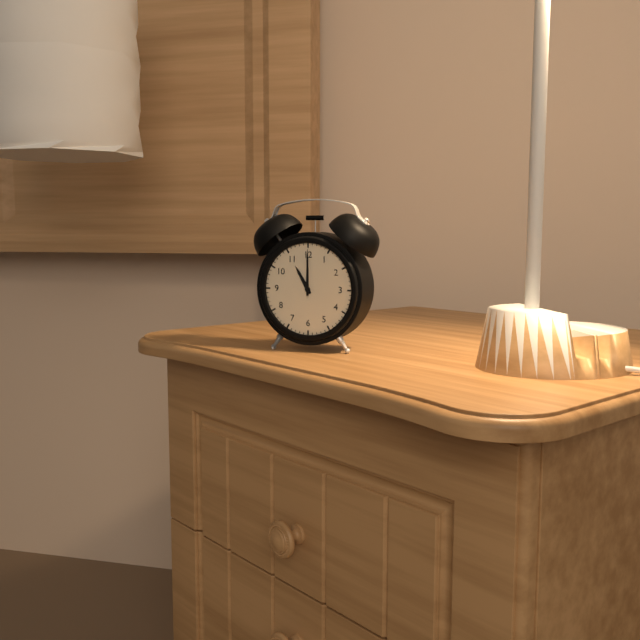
11:00
